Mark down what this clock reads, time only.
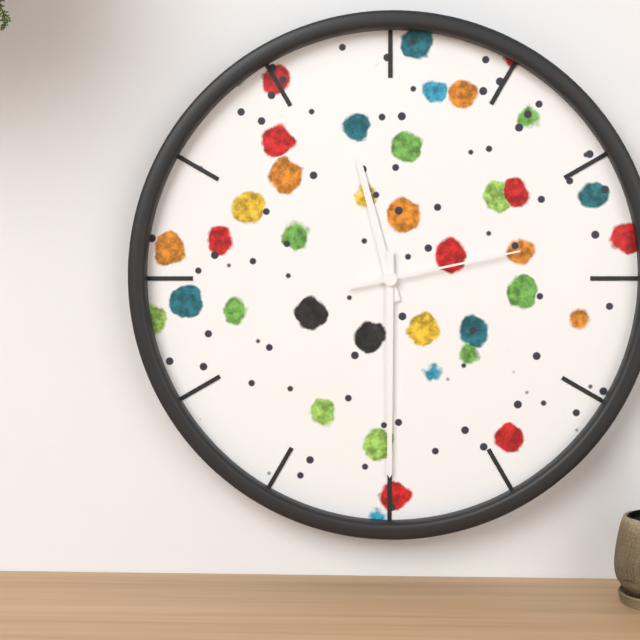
11:30:13
